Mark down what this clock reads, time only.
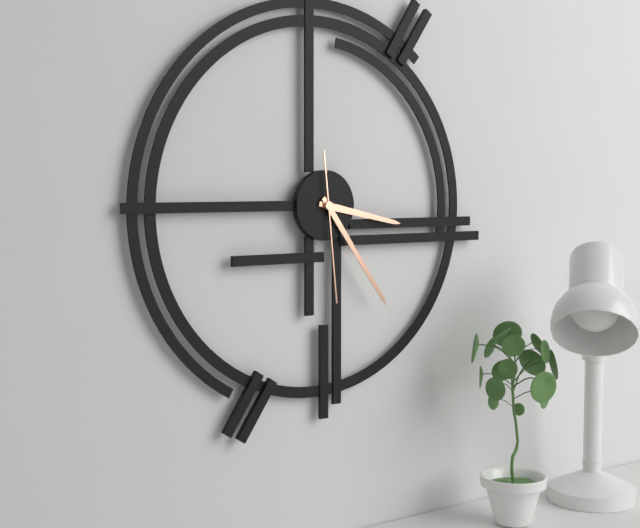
3:24:29
